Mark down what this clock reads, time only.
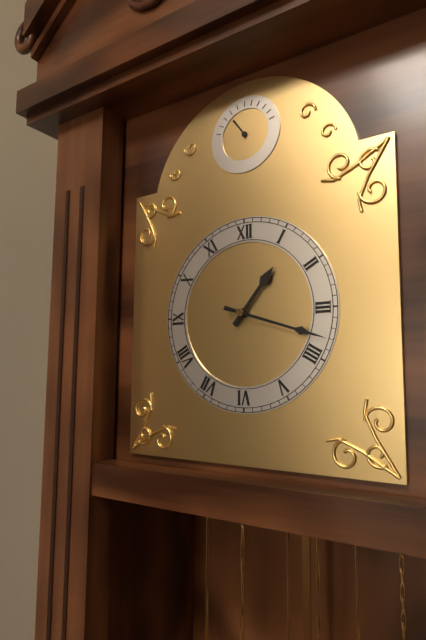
1:18
